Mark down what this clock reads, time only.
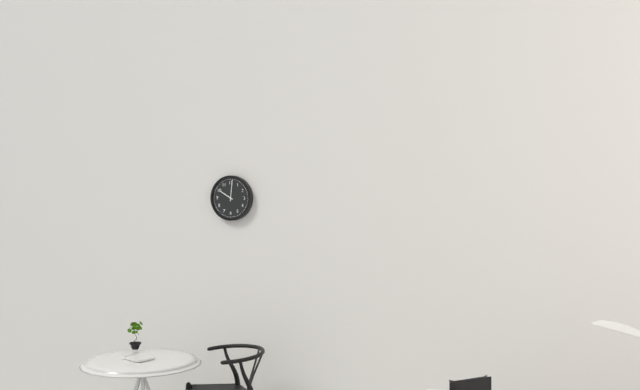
10:01
